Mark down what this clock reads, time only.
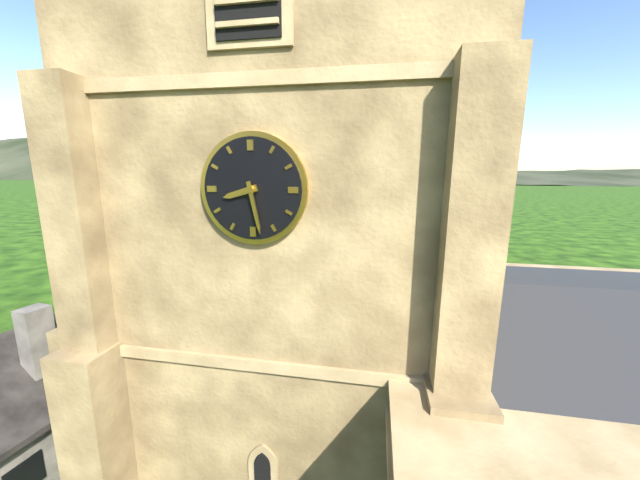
8:28
